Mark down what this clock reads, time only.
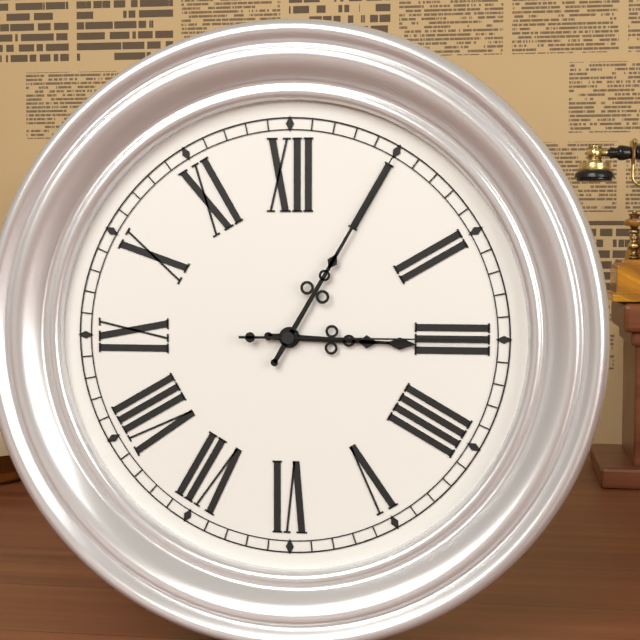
3:05:15
